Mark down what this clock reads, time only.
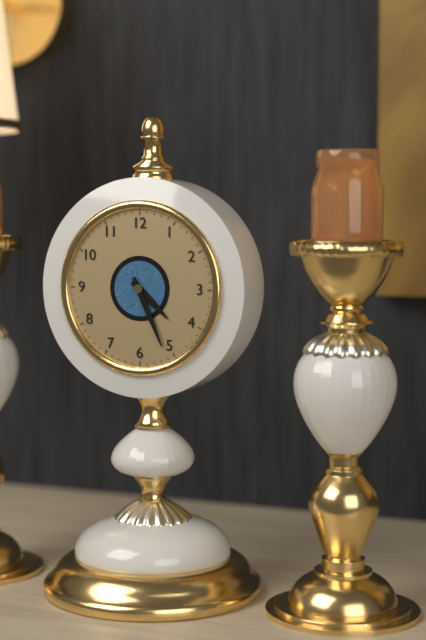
4:26
